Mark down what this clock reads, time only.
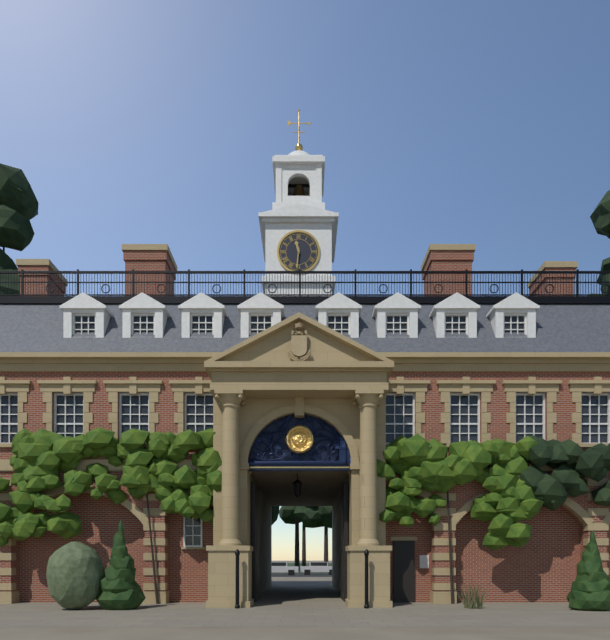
11:31
